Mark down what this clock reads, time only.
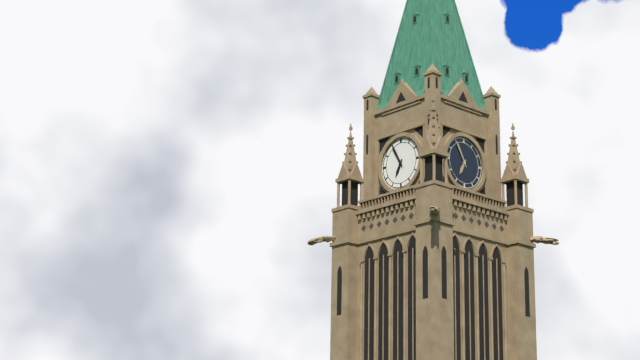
6:55
